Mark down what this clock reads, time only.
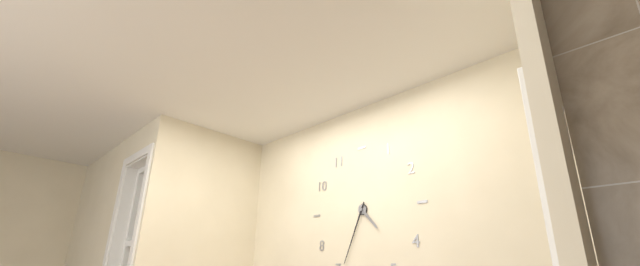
4:34
